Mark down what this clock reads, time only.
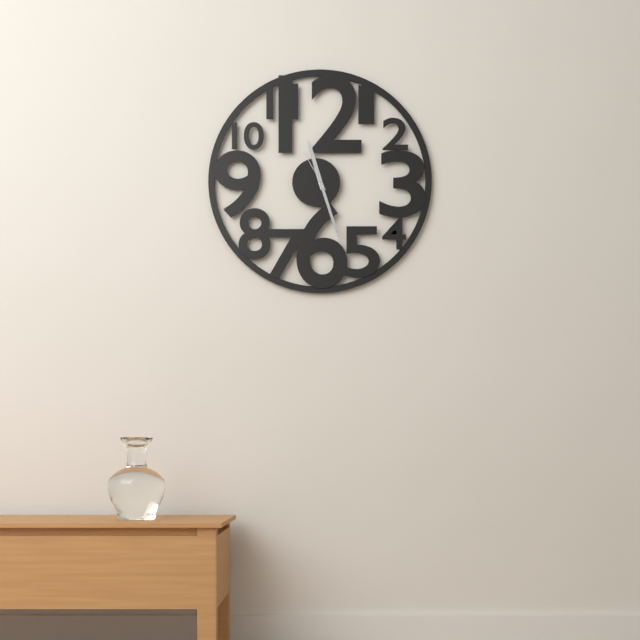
11:27
